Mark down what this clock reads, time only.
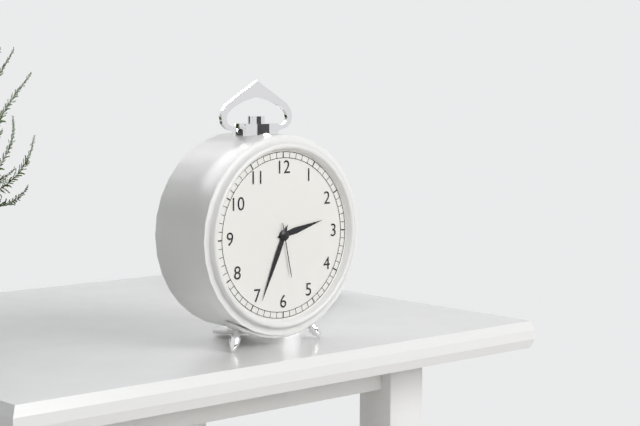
2:34:28
